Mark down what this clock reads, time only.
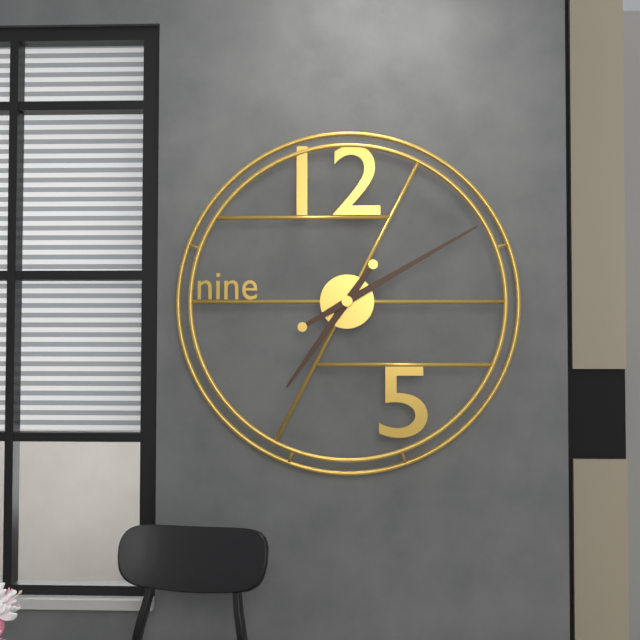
7:10
